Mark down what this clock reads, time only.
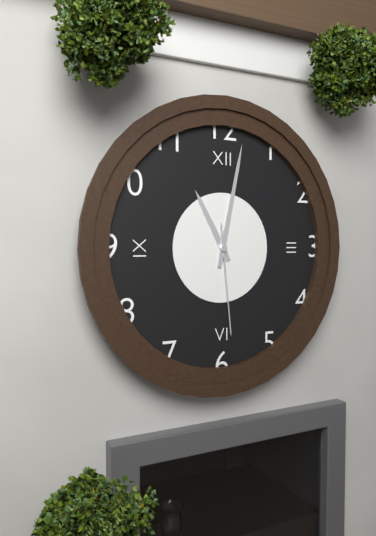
11:02:29
